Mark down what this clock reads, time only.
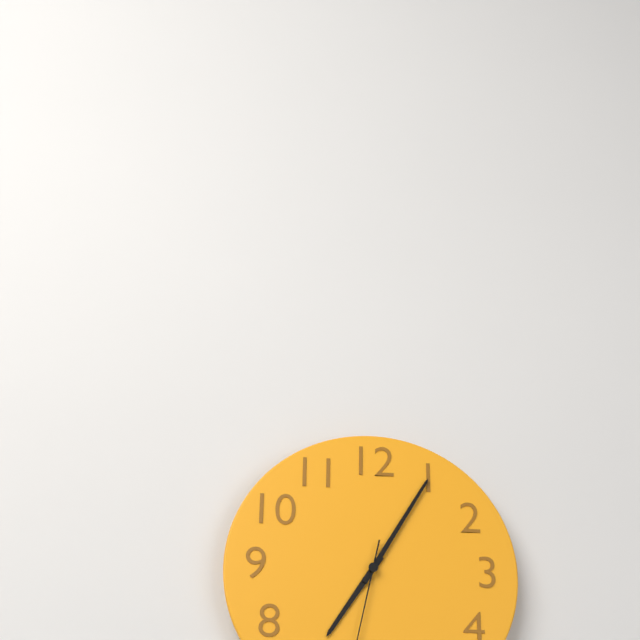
7:05
